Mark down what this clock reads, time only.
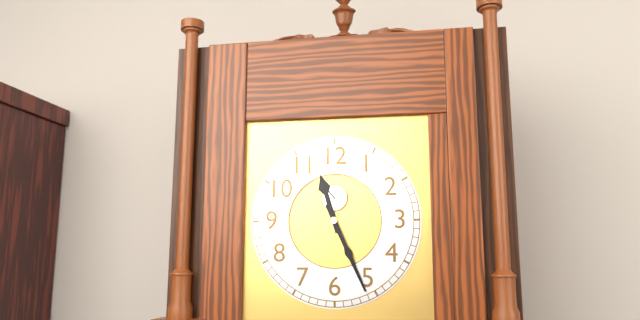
11:26
